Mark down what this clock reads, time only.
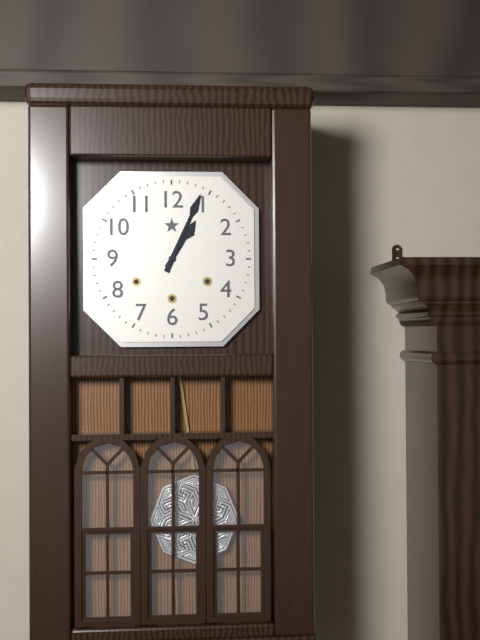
1:04
